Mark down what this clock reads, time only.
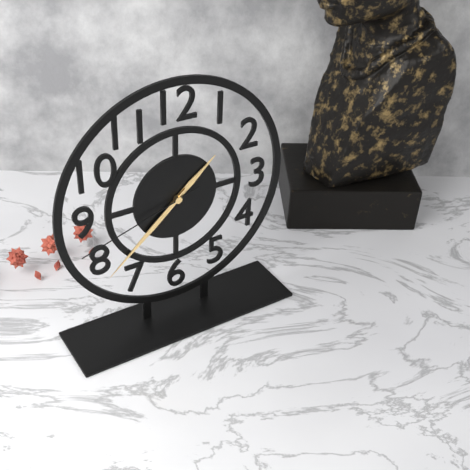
1:38:42
